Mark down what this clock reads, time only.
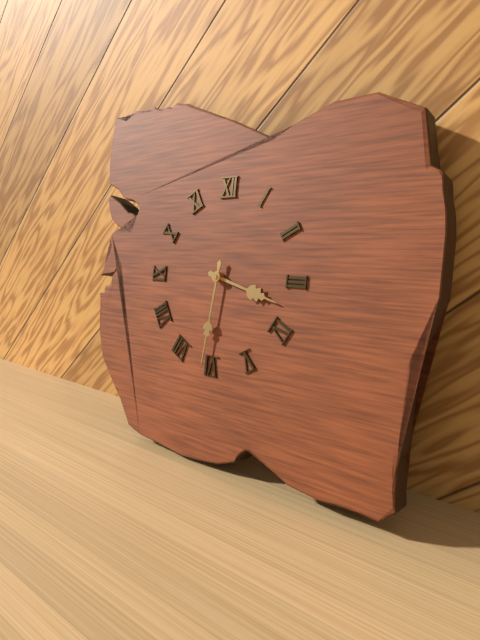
3:31
